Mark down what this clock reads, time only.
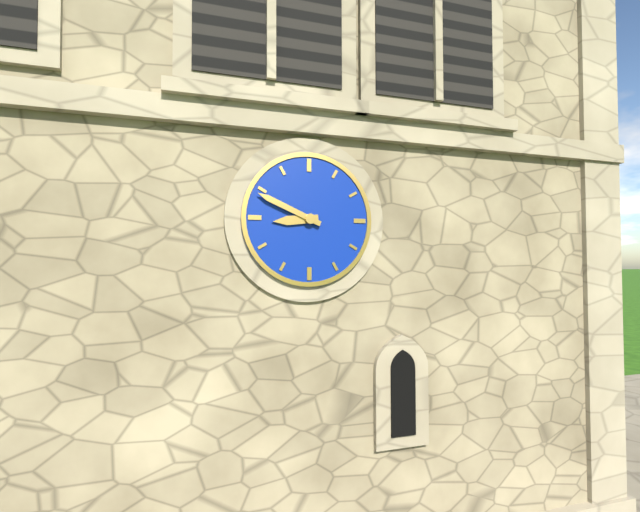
8:49
